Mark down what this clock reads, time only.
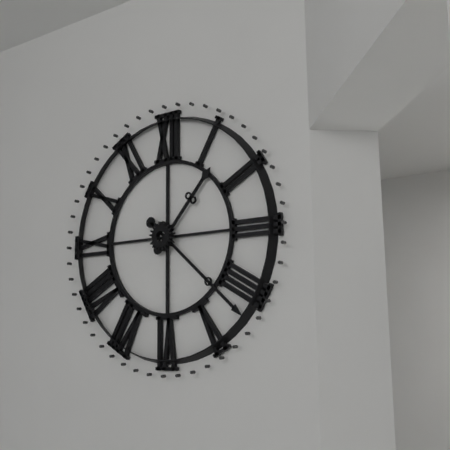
1:22
